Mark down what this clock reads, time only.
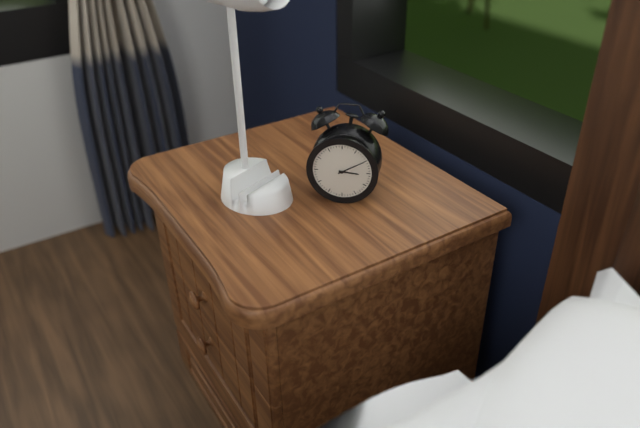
3:10
